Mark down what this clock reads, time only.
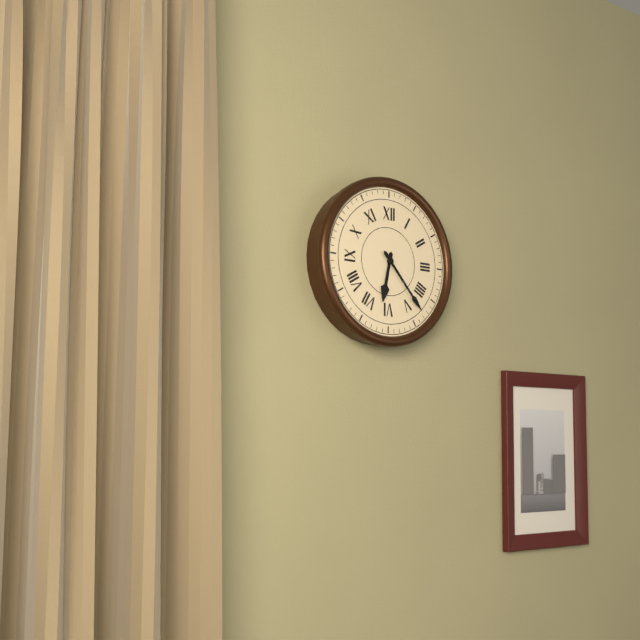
6:23
